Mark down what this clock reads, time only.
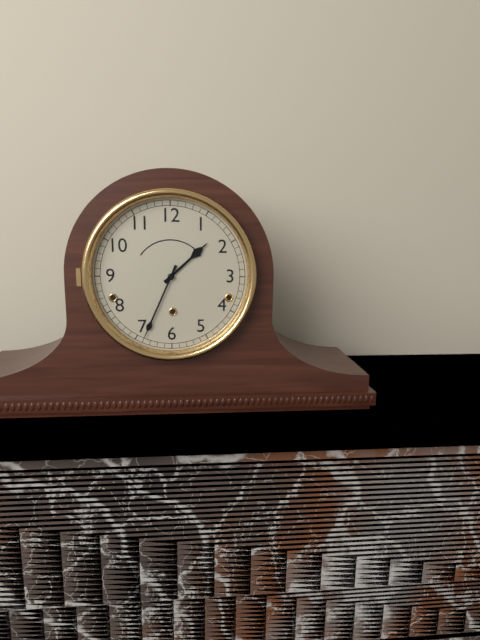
1:34
